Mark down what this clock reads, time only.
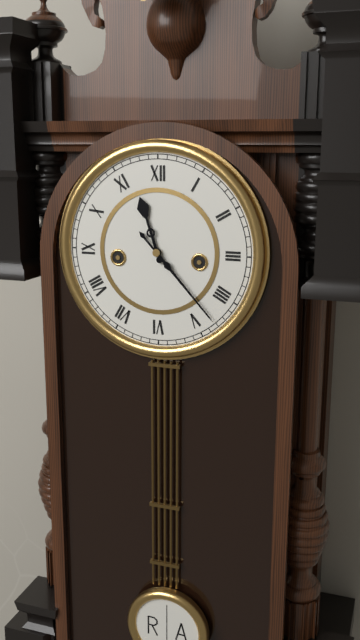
11:23
